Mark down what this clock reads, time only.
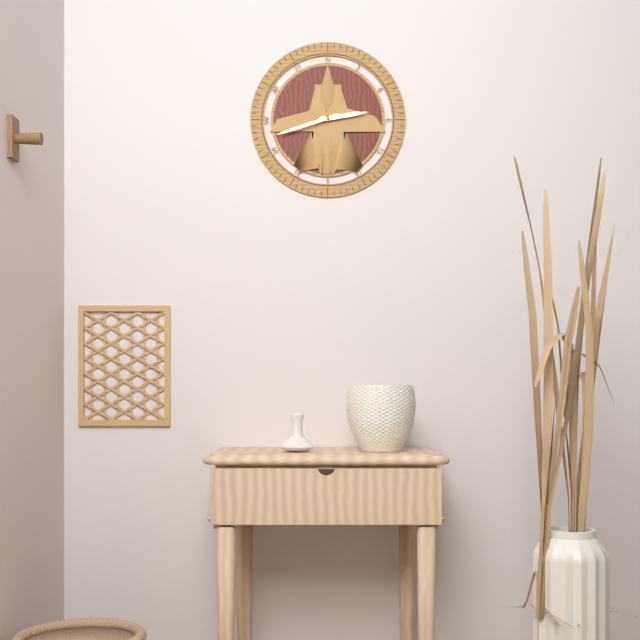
2:42
